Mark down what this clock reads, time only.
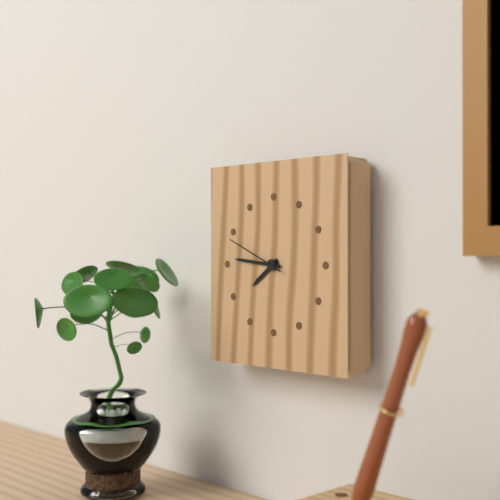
7:46:49
